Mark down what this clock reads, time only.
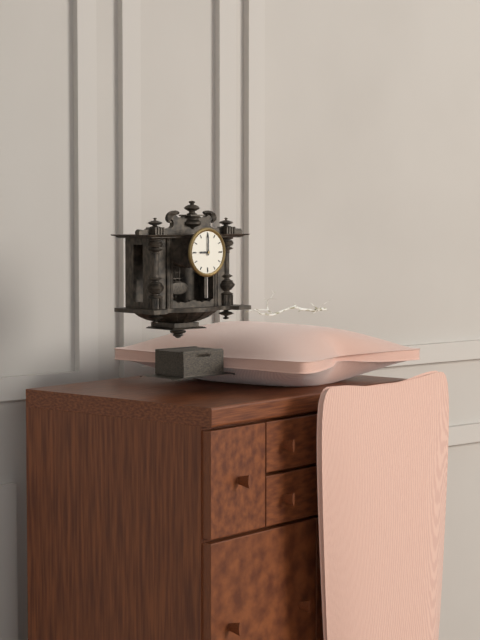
9:00
